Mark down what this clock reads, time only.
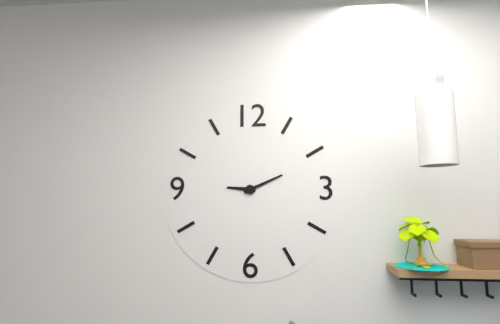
9:11
